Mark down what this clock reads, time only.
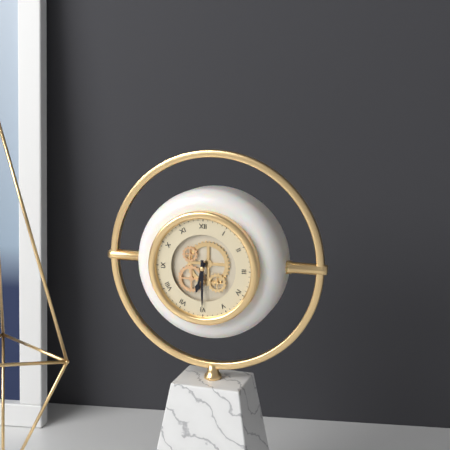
6:30
